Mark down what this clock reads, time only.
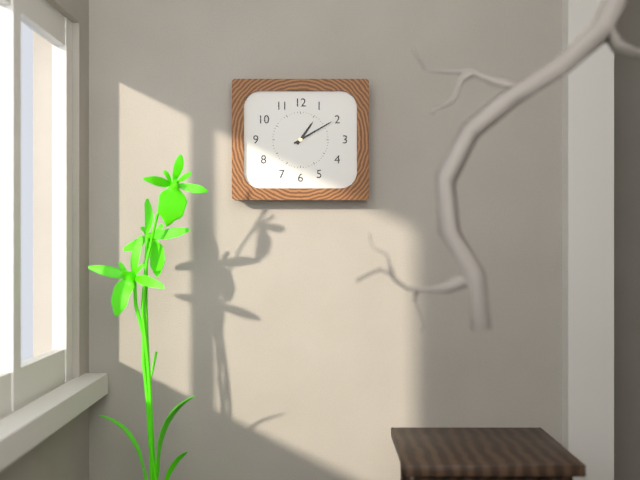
1:10
